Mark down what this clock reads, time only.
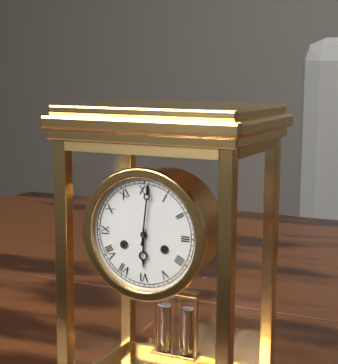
6:01
